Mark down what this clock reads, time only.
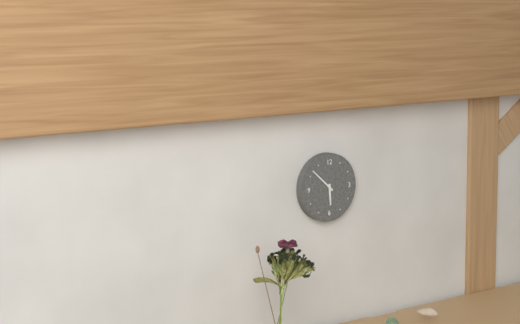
5:52
